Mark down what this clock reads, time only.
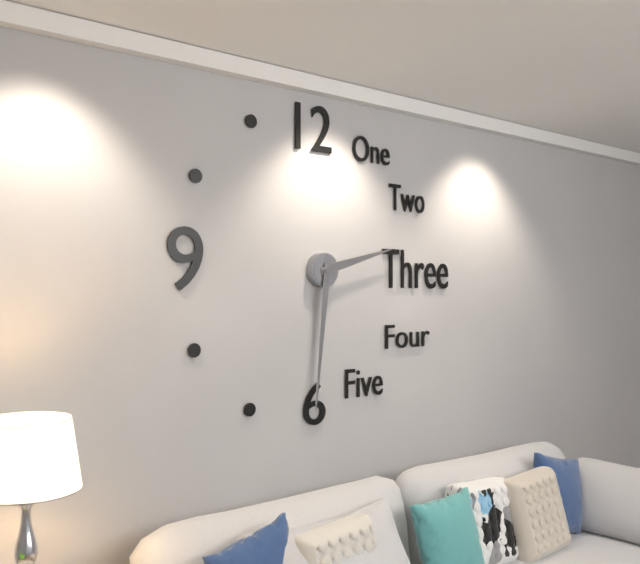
2:31
